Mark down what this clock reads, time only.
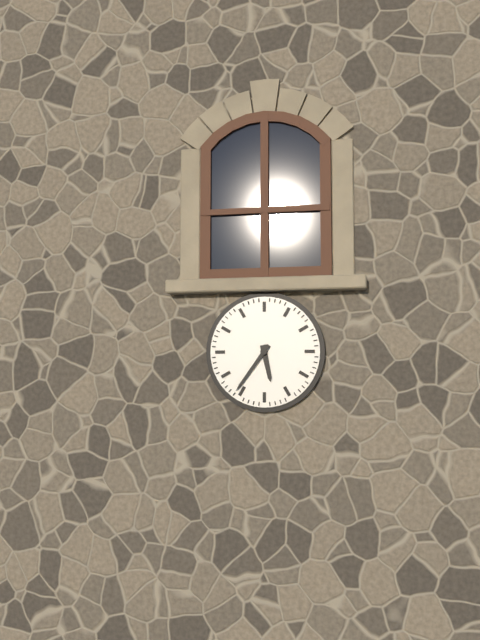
5:36
